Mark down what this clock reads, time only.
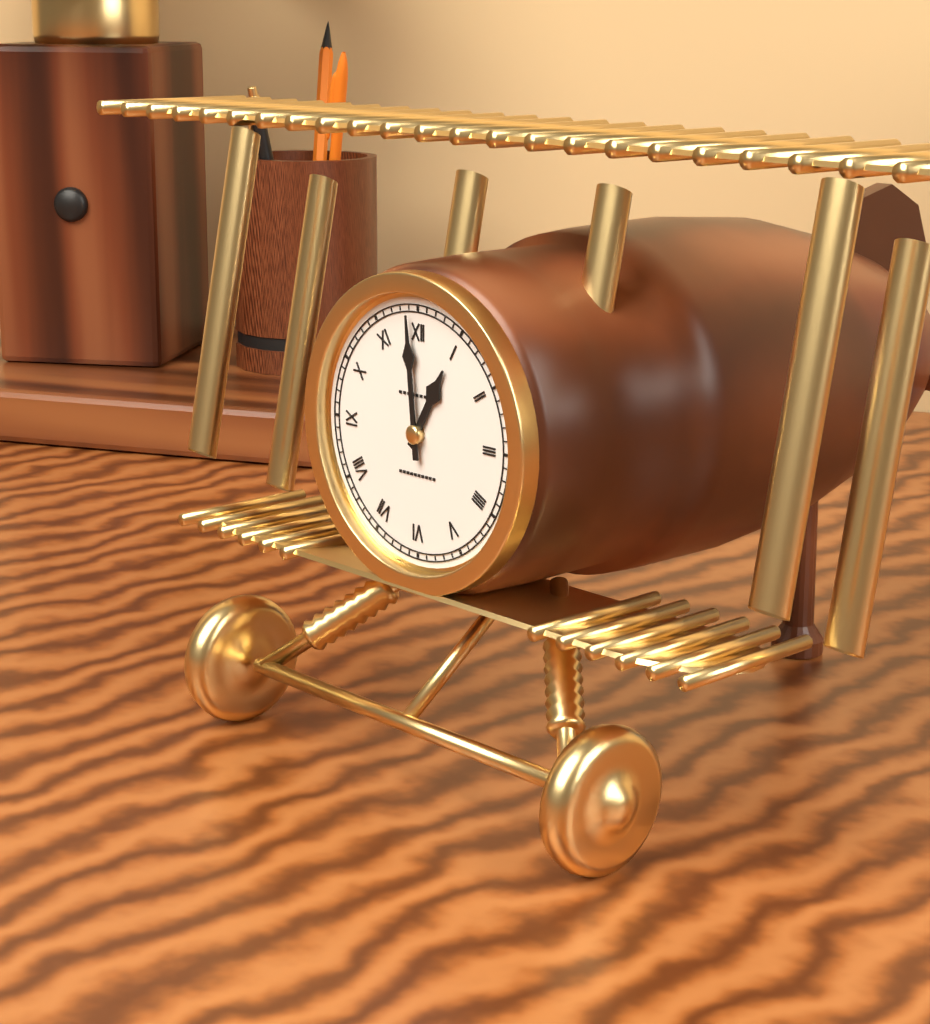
12:59
